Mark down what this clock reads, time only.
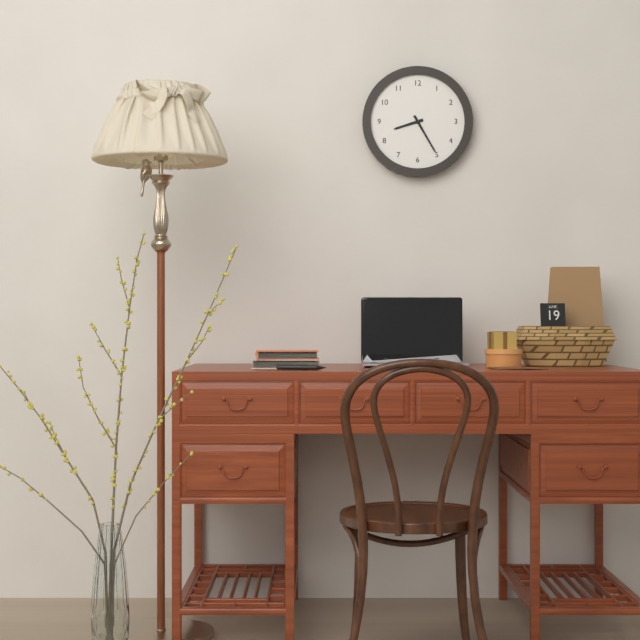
8:25
